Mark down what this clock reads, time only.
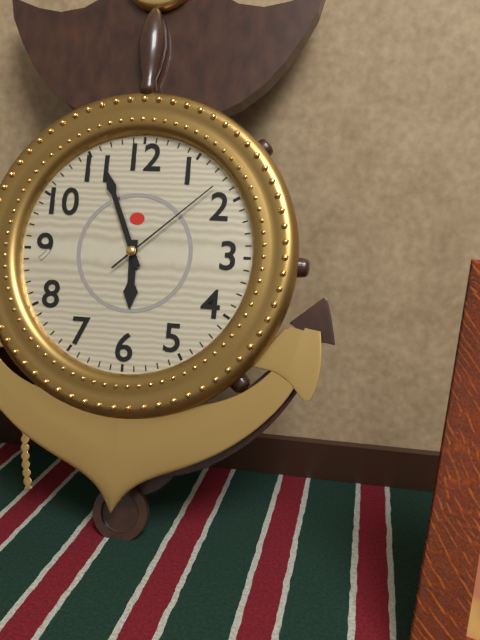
5:56:08
